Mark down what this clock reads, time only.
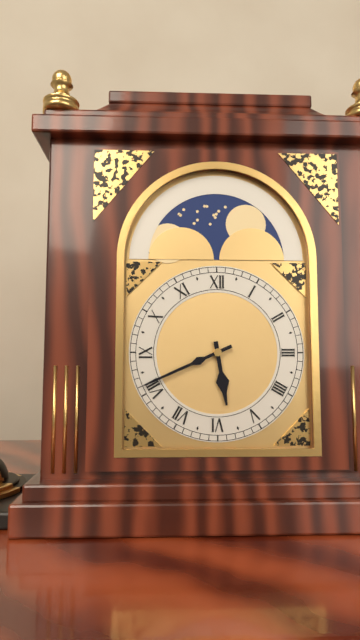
5:41
